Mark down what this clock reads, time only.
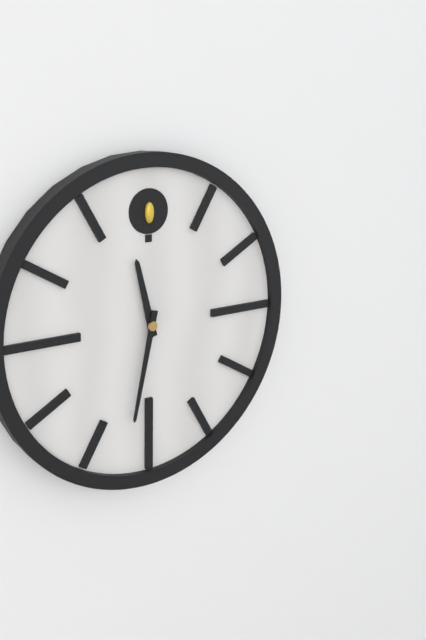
11:32
